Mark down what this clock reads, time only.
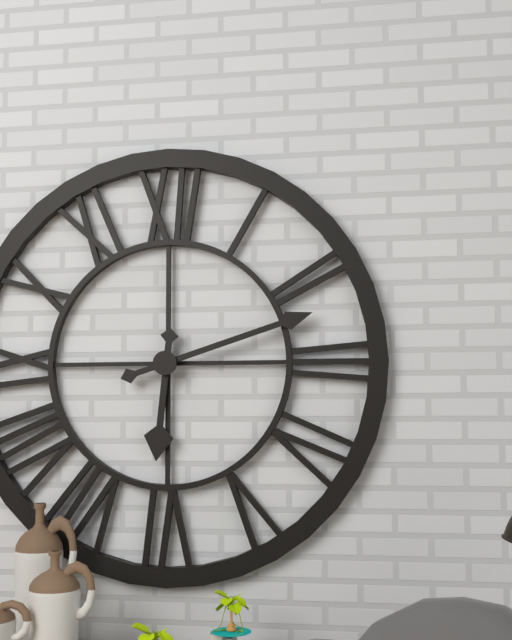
6:12
